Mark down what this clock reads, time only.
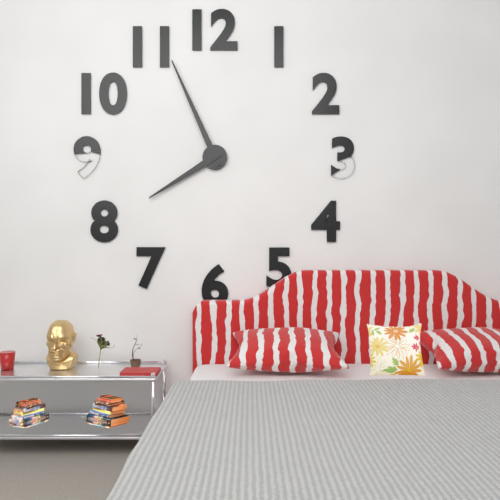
7:56
